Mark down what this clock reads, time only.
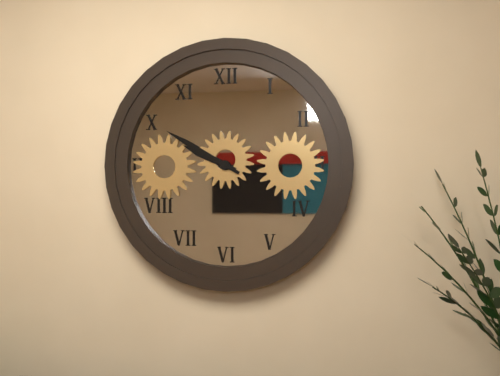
9:50
